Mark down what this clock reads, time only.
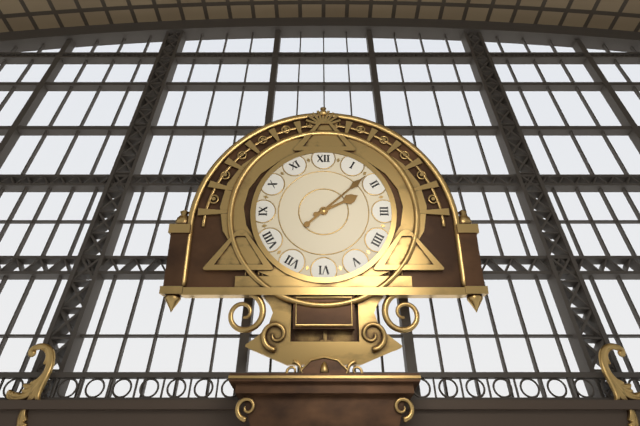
2:08
